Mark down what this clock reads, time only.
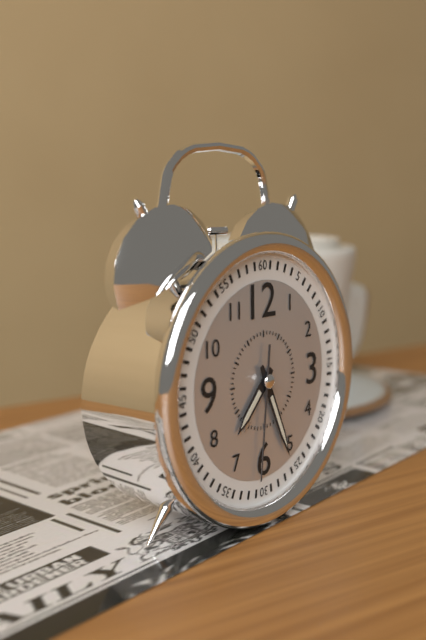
7:26:31
